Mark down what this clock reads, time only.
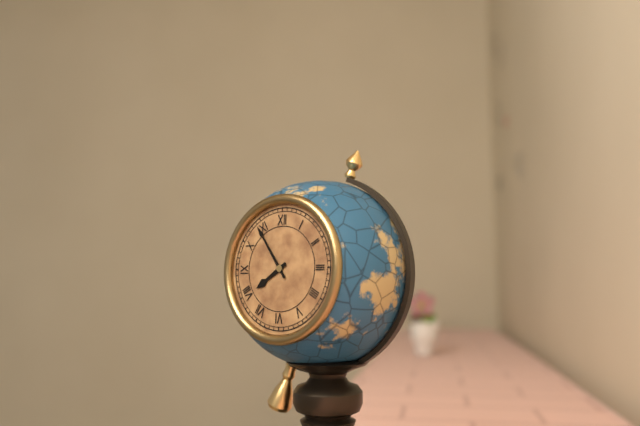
7:54
